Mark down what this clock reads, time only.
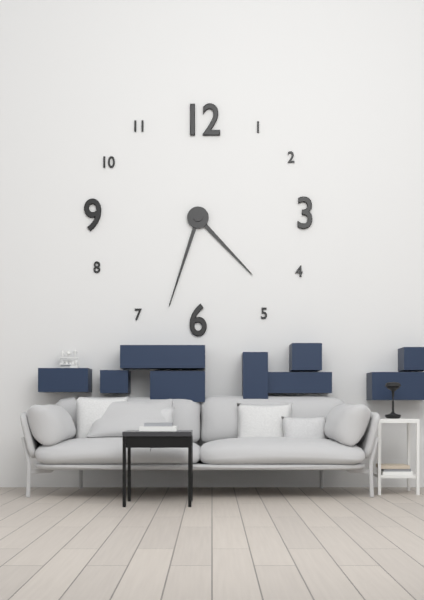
4:33
